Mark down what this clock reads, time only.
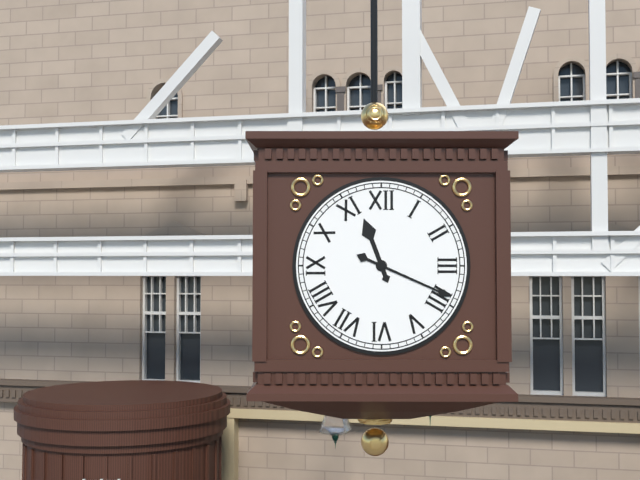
11:19
